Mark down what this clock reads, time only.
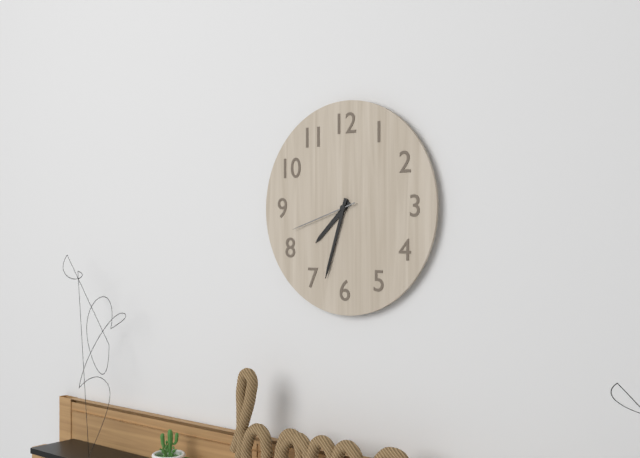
7:33:42
